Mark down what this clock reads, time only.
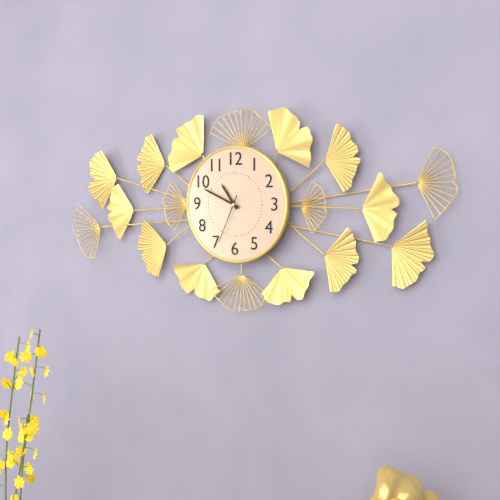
10:49:34
